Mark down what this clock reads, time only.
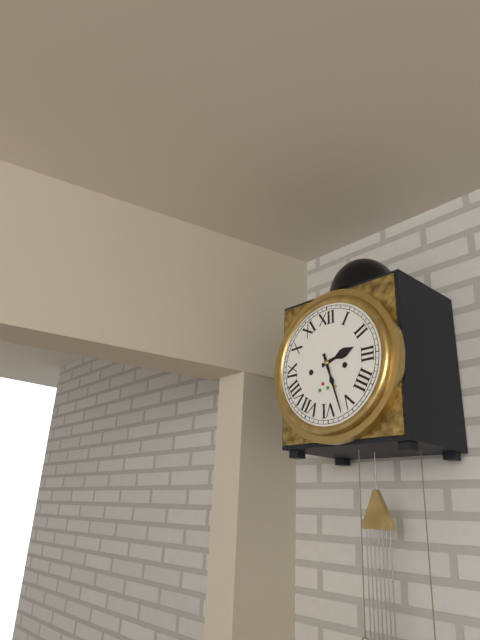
2:27
